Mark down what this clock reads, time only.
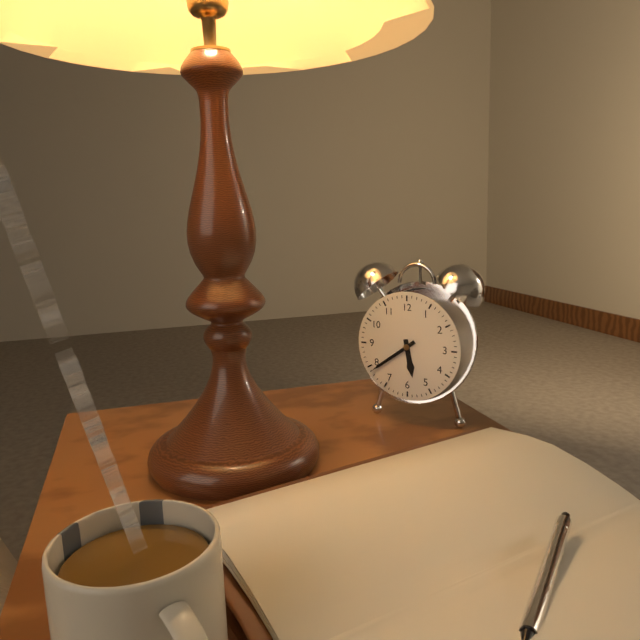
5:39
